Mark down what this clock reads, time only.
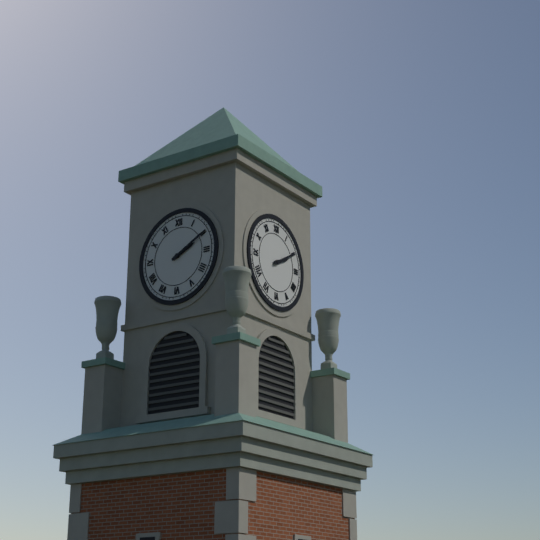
2:10
